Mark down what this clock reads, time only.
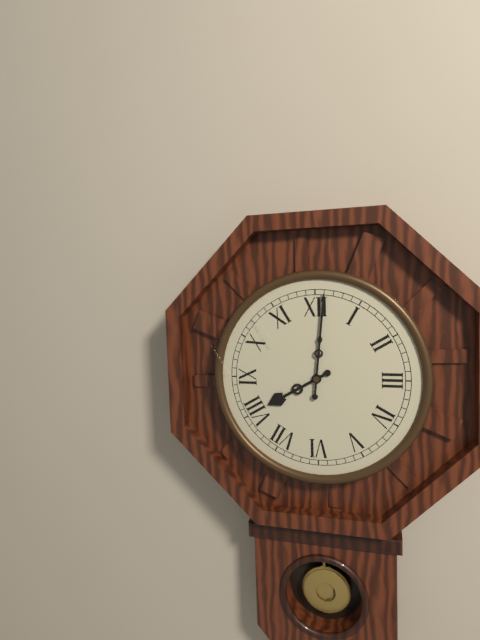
8:01
